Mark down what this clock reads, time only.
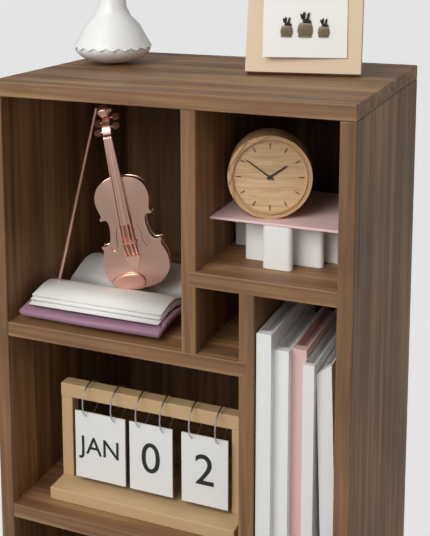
1:51
